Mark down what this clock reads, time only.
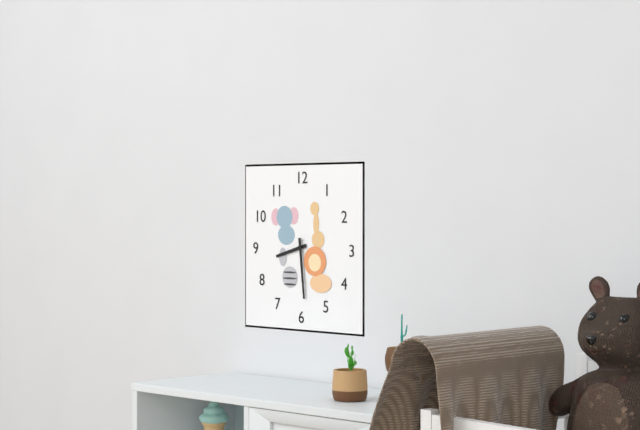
8:29
